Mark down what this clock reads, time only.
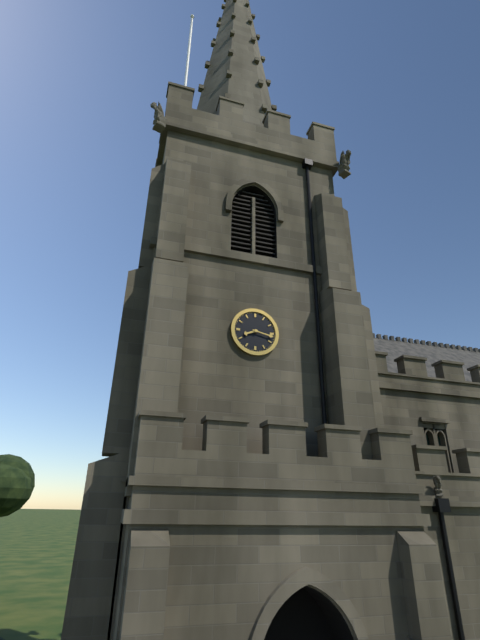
8:17
